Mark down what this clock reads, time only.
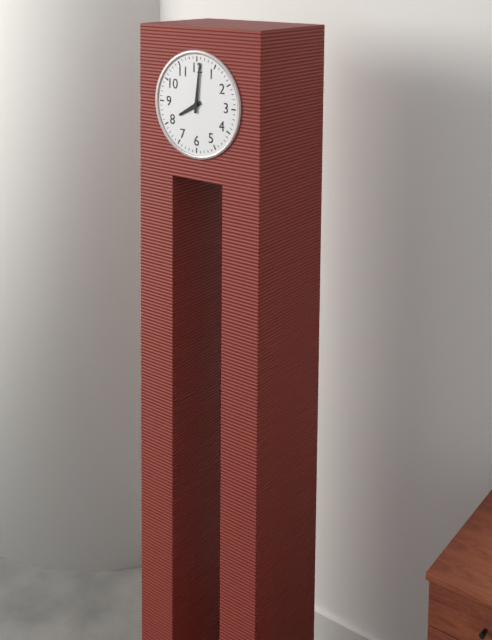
8:01
